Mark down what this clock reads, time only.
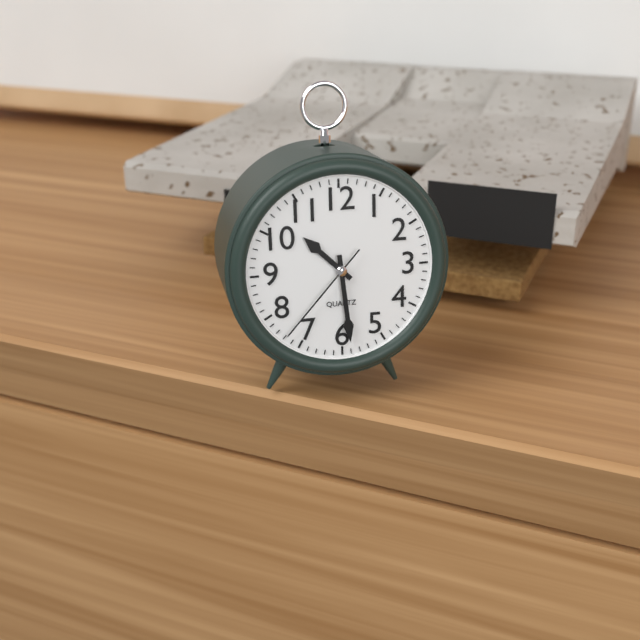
10:29:37
